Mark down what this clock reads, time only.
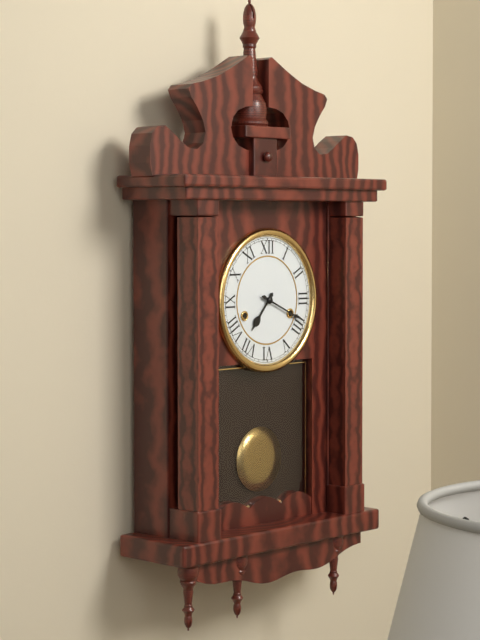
7:19
